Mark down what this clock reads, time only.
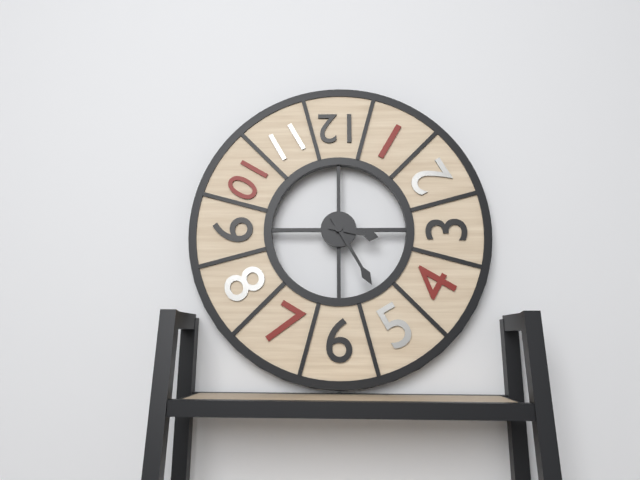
3:25
